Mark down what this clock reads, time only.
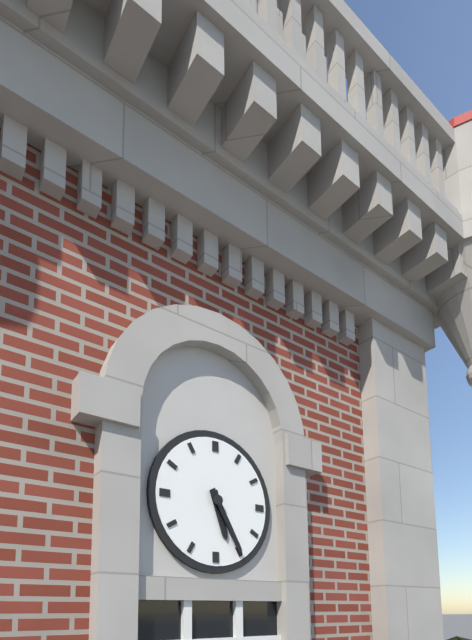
5:25
